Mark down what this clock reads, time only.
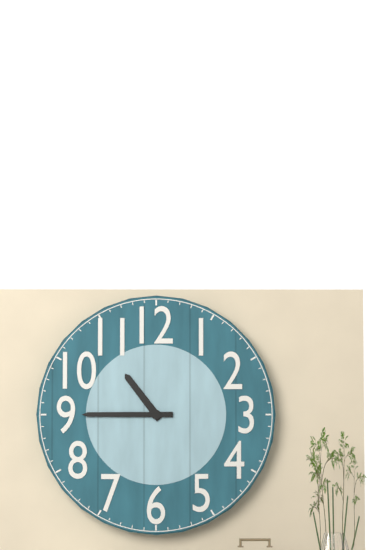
10:45
